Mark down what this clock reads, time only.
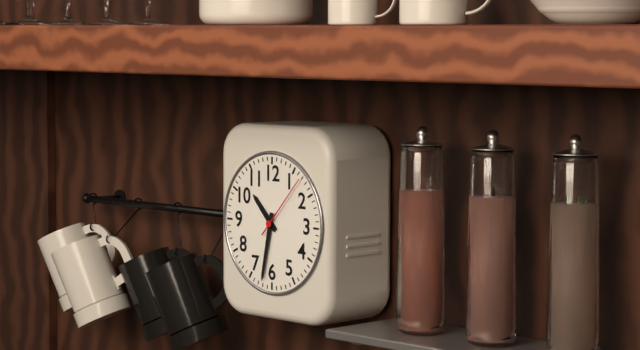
10:32:07
